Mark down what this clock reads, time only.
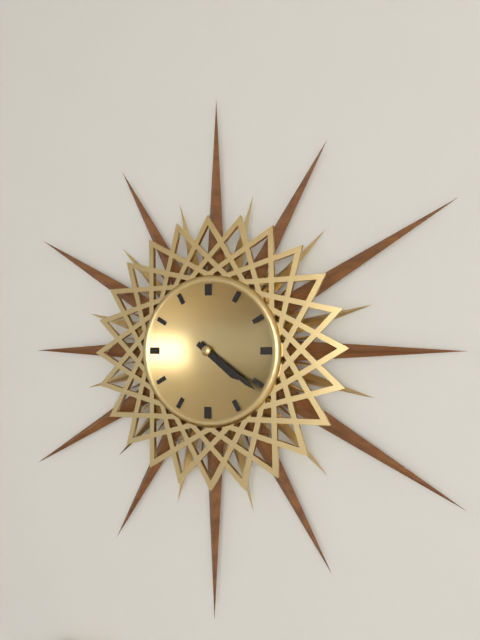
4:21
